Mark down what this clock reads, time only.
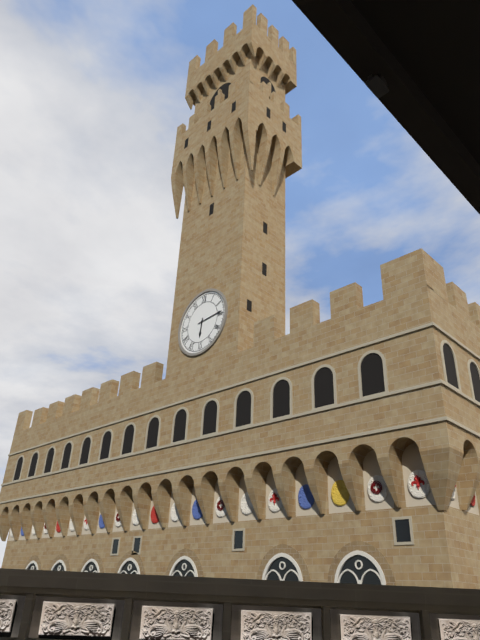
6:14
